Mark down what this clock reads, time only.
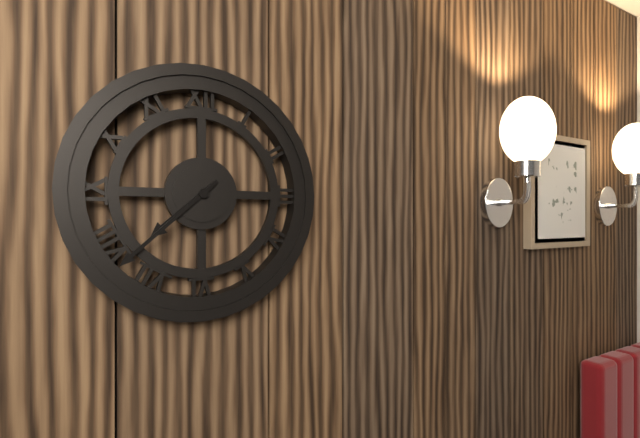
7:38
